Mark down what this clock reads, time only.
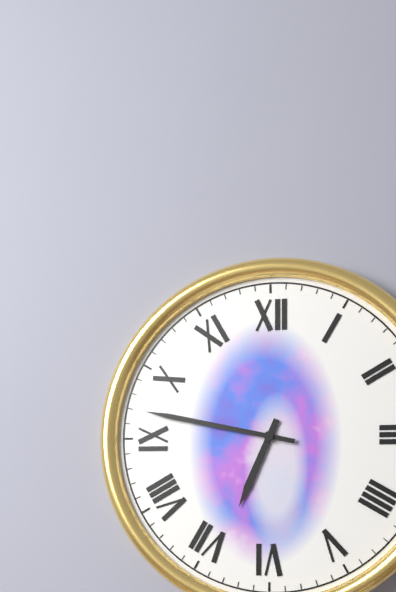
6:47
